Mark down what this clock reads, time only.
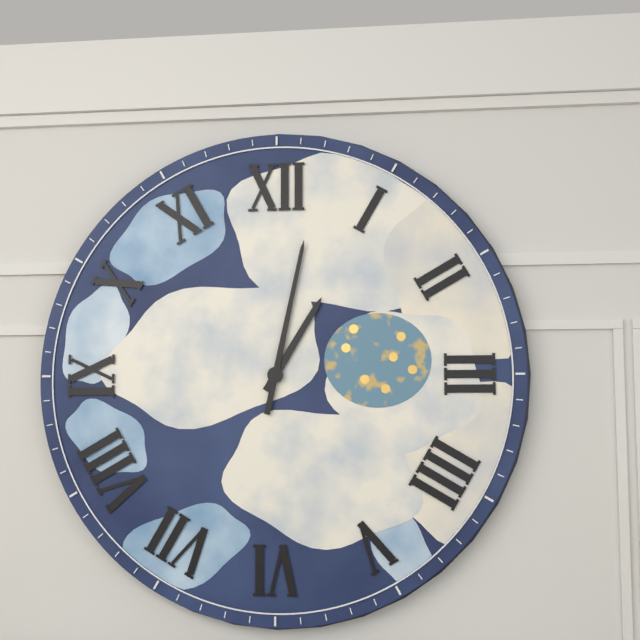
1:02
